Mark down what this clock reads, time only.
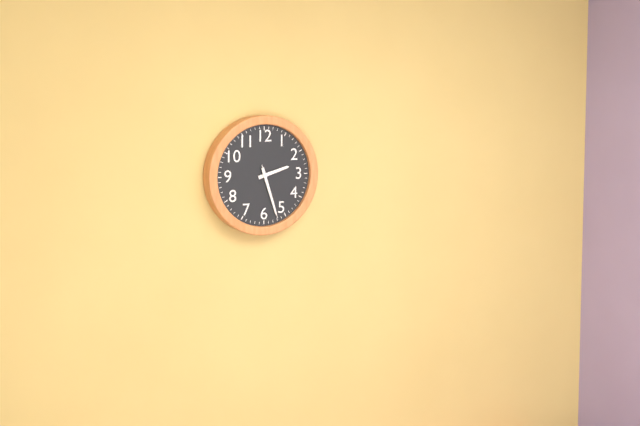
2:27:27
